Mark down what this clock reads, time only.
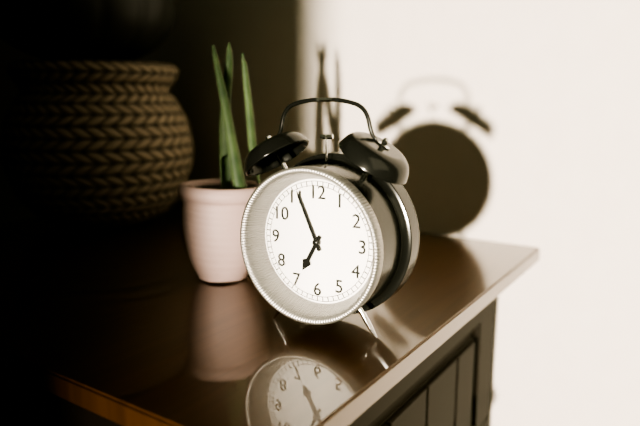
6:56
